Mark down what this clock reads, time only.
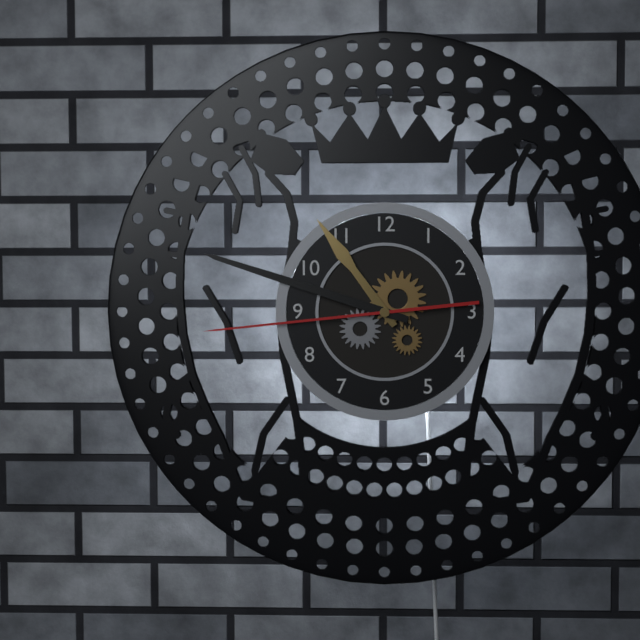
10:48:44
